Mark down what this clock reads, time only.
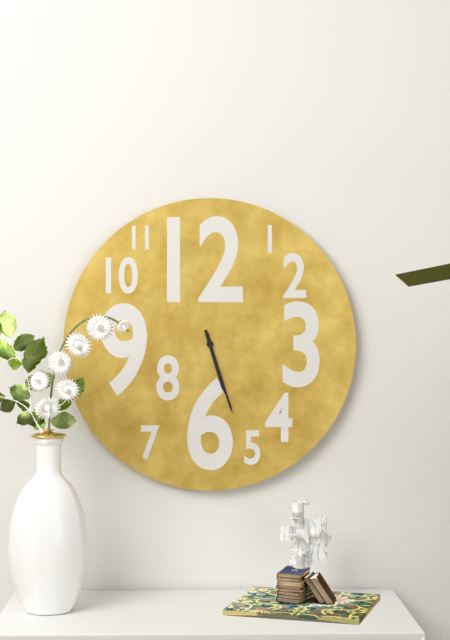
5:27
